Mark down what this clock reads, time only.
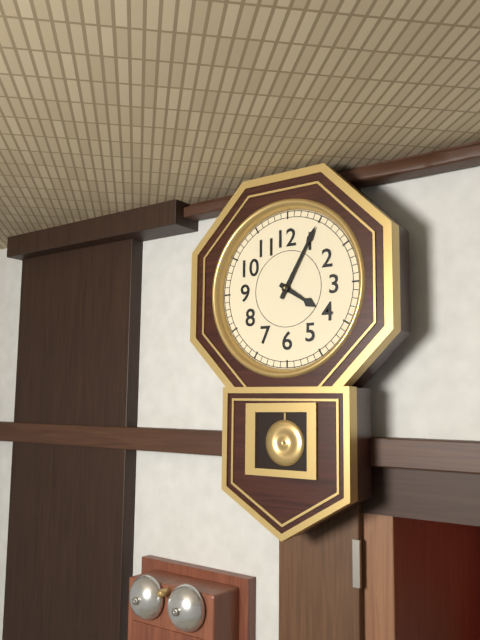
4:05
